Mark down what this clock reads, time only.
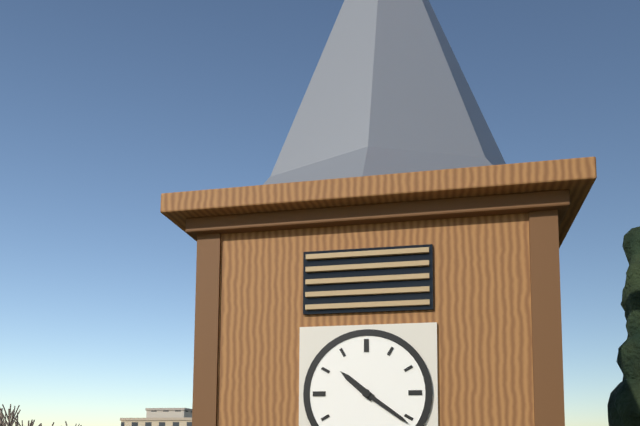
10:21
